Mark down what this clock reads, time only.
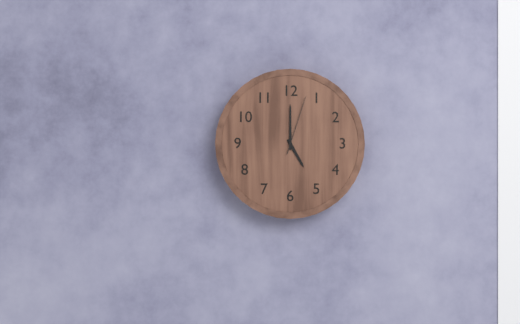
5:00:03
